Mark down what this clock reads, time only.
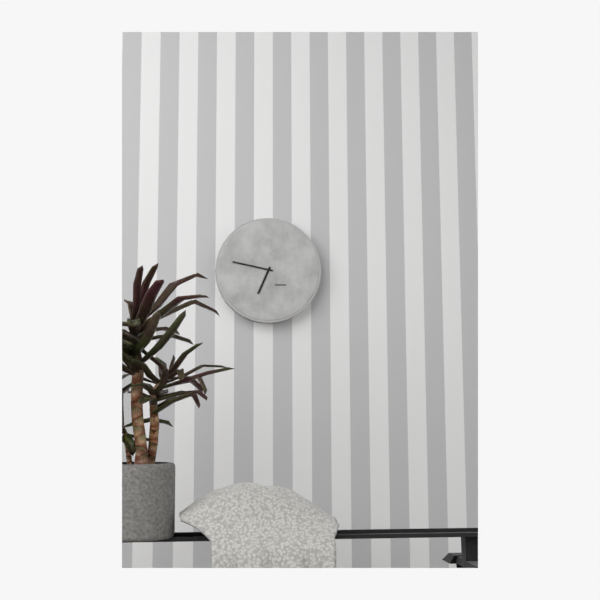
6:47
